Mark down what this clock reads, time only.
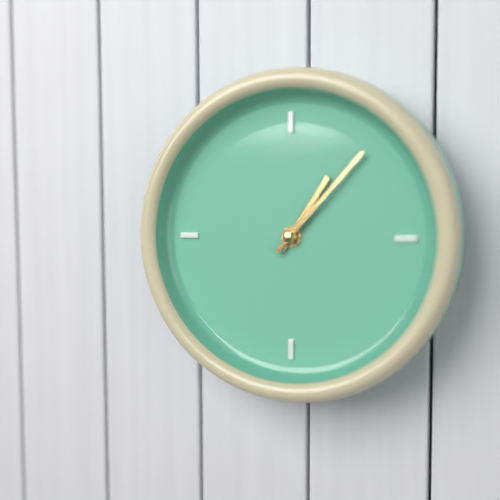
1:07
